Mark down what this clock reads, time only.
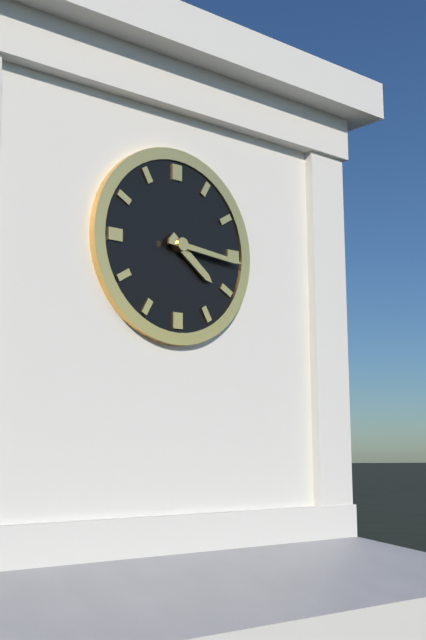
4:16
